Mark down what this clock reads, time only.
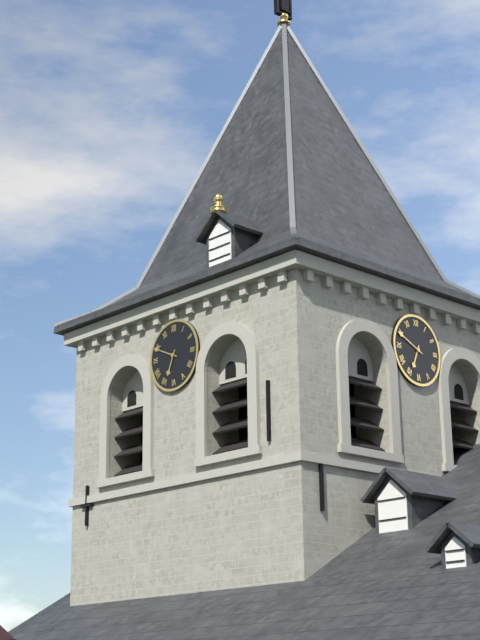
6:49
